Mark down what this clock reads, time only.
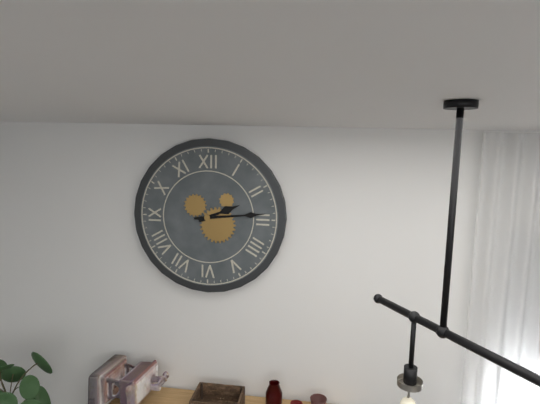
2:14
